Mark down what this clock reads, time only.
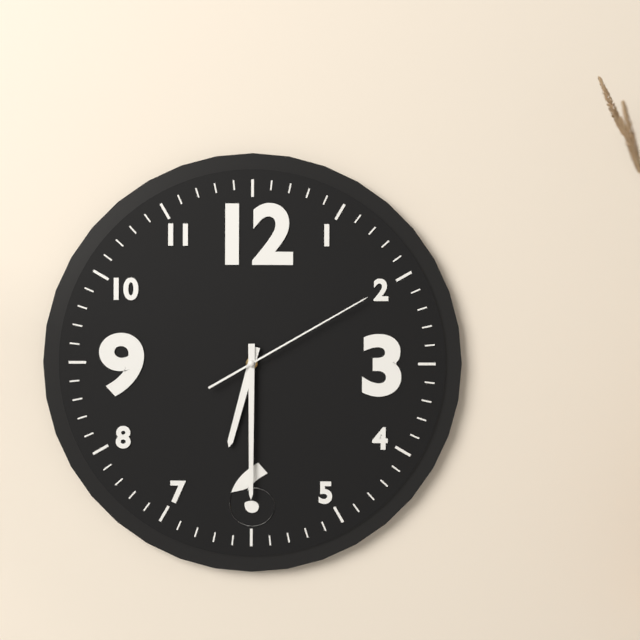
6:30:10
